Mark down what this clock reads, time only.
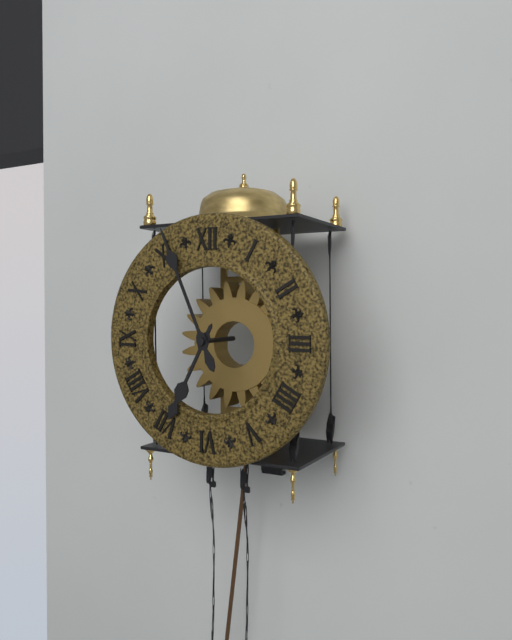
6:56
